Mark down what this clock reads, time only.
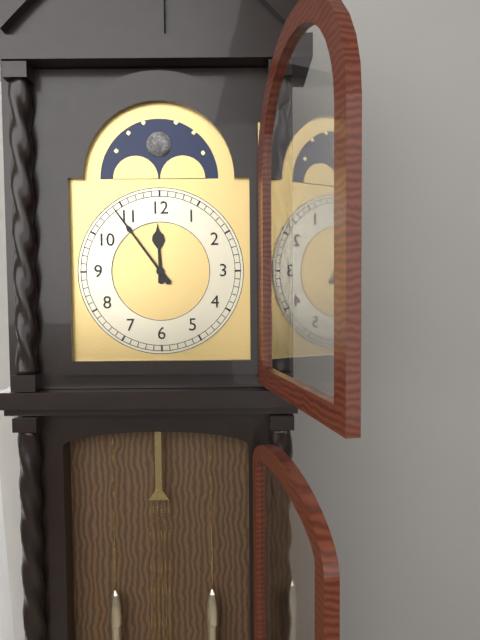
11:54
